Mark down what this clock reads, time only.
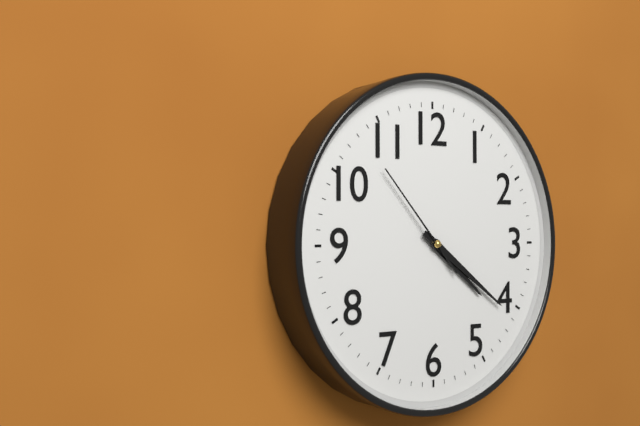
4:21:53
